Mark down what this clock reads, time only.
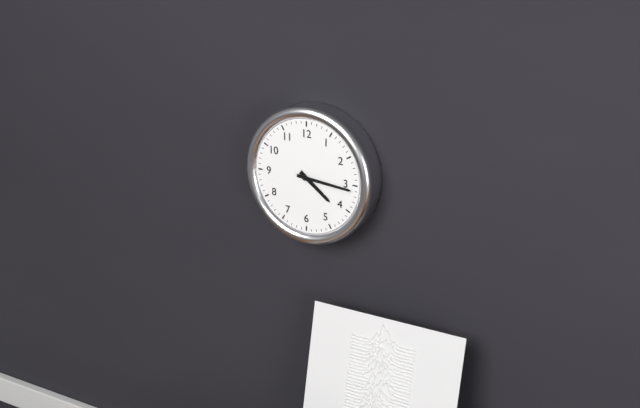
4:16
